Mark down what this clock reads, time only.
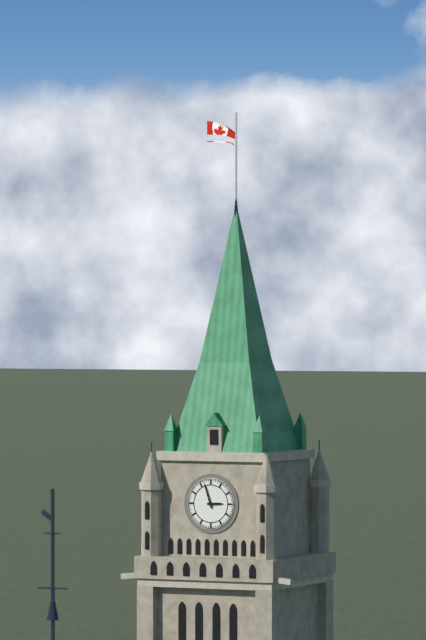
2:57
